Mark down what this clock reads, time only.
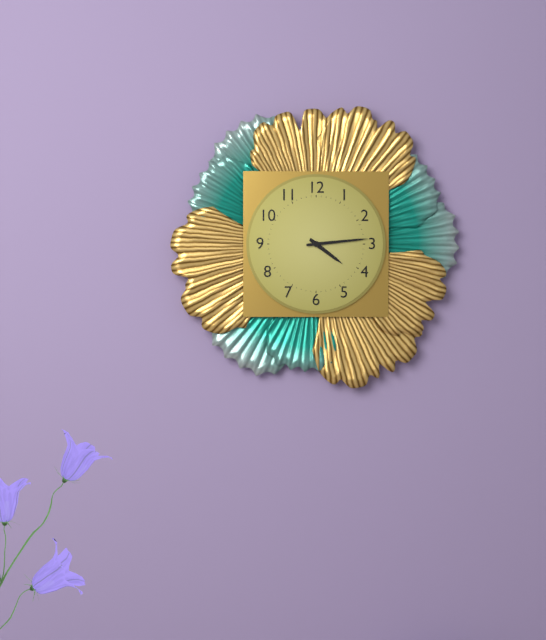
4:14
